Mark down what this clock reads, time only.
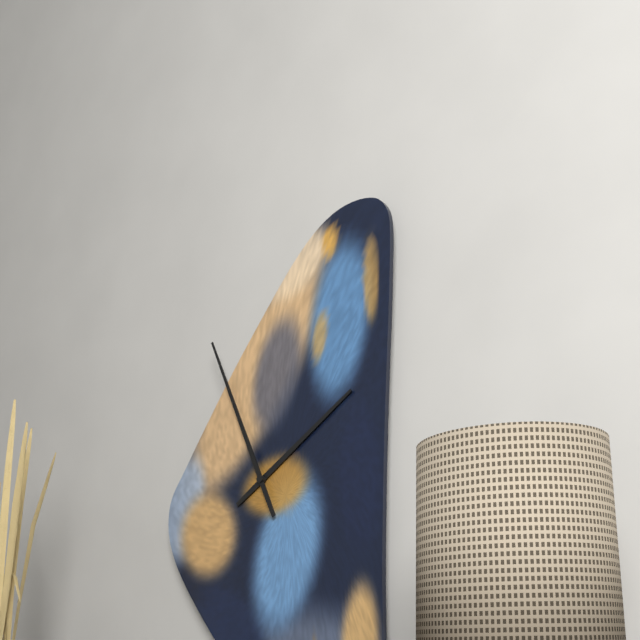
1:56
